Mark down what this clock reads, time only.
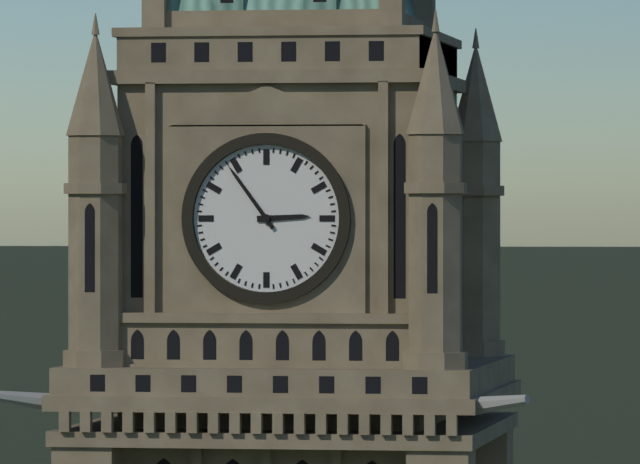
2:54
